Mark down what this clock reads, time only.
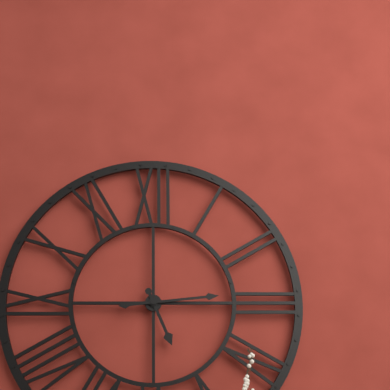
5:14
